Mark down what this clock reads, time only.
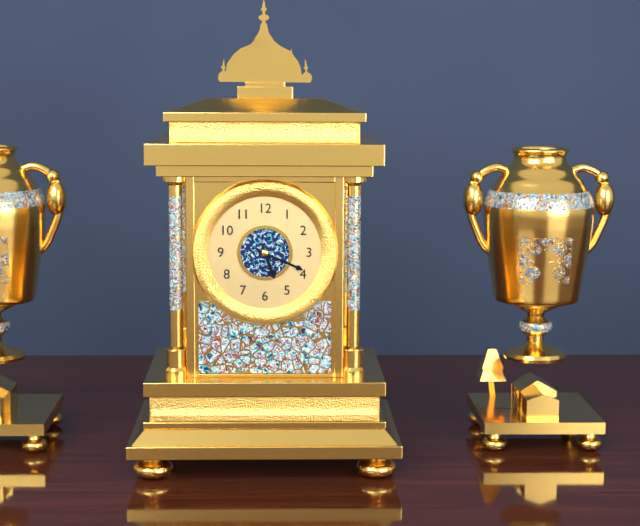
5:19
